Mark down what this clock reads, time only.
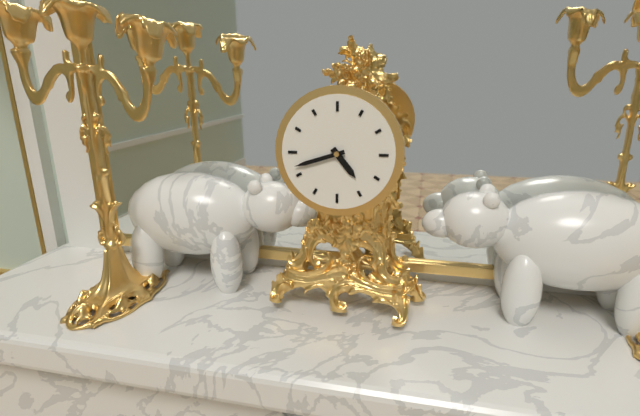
4:42
